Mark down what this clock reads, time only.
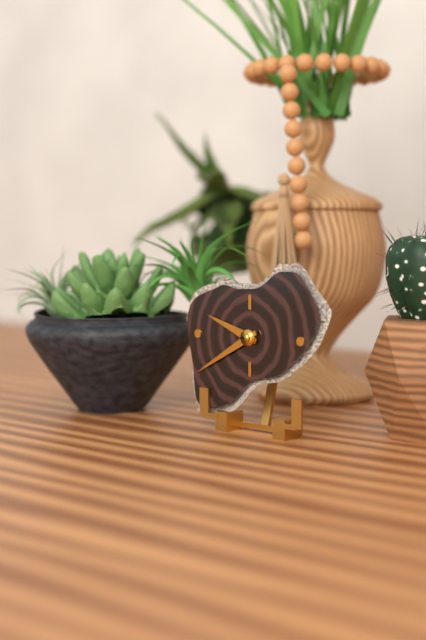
9:40
